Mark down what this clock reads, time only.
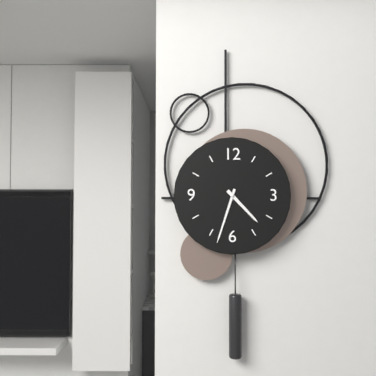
4:33
